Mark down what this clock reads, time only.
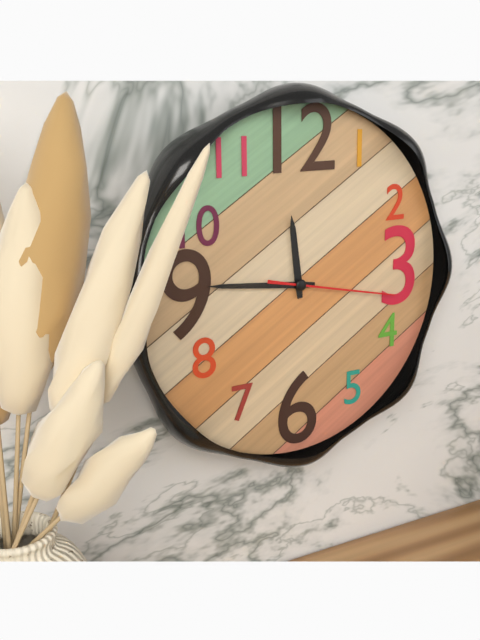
11:46:17
